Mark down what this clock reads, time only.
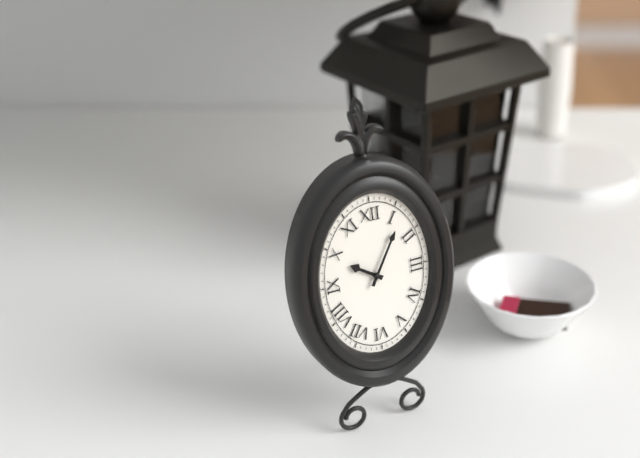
10:05
